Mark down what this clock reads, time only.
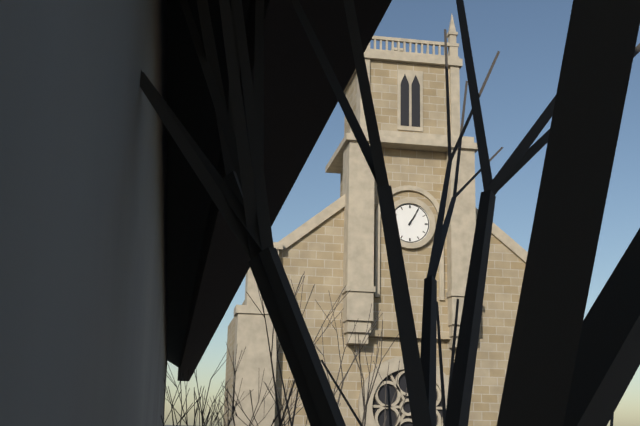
1:05
